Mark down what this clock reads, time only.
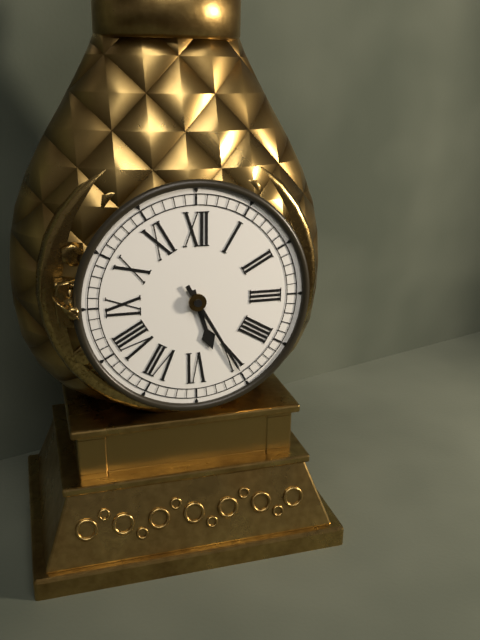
5:25
